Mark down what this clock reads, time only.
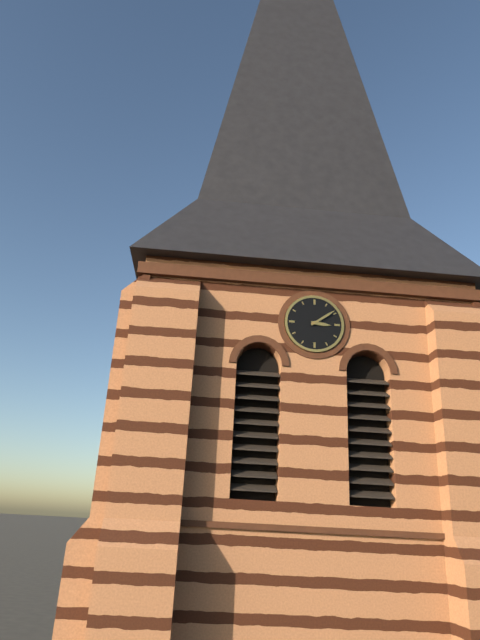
3:09
